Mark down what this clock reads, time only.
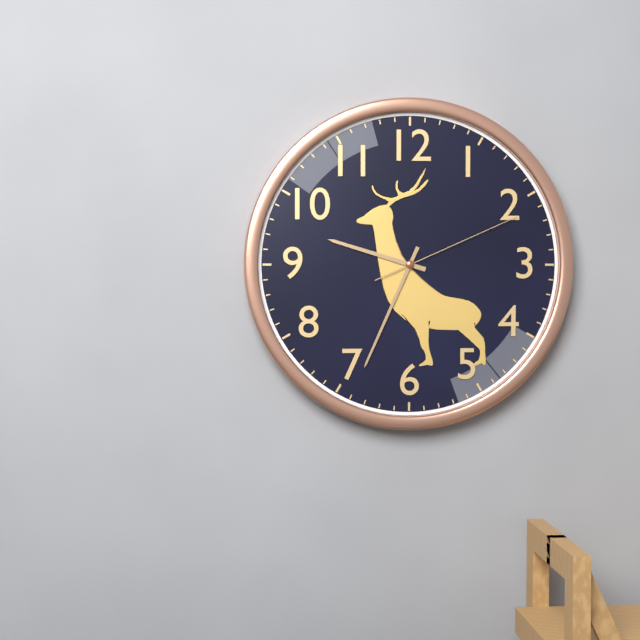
9:34:11
